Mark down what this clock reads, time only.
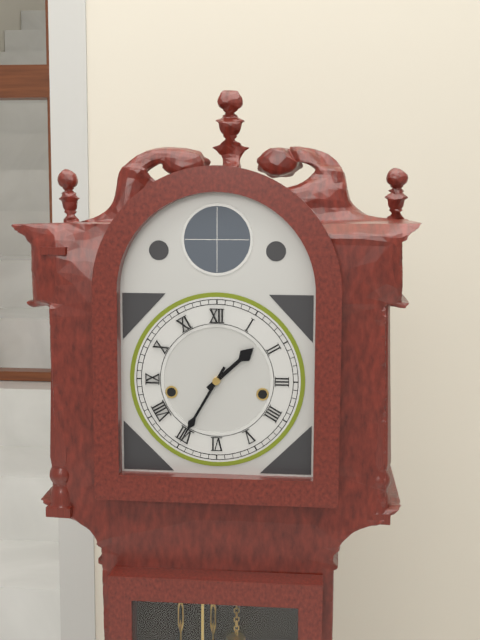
1:35
